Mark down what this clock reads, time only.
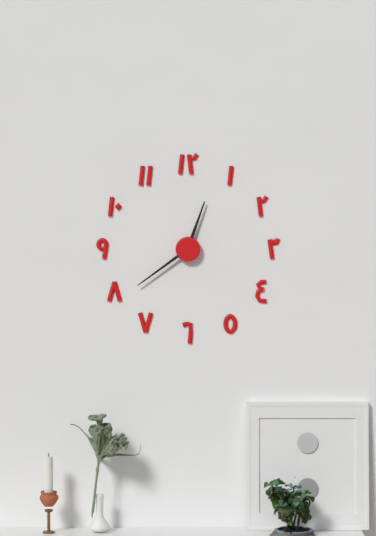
12:39
